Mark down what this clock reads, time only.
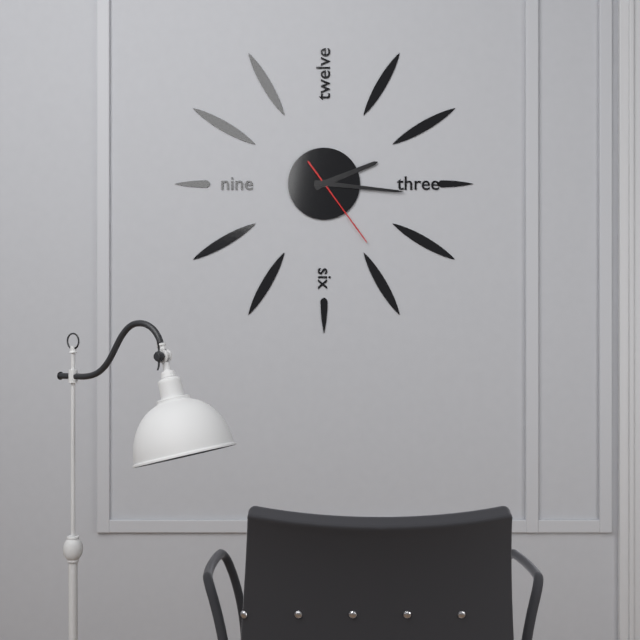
2:16:24
